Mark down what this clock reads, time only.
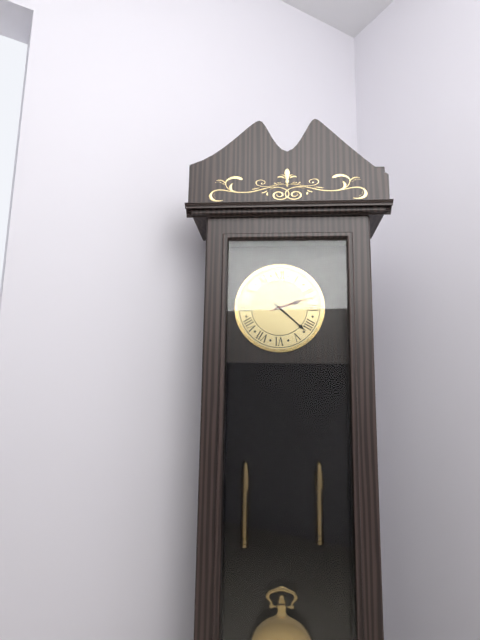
2:22
